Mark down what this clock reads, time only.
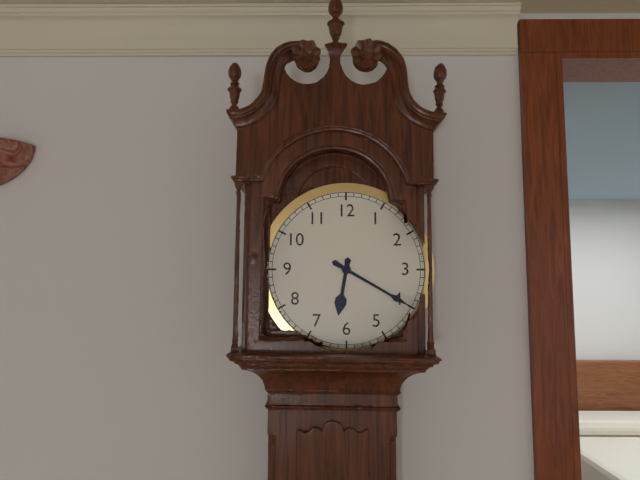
6:20
